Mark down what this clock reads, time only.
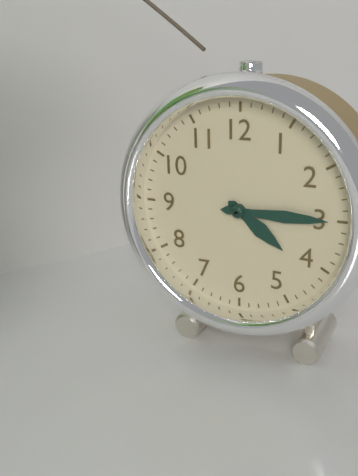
4:15
